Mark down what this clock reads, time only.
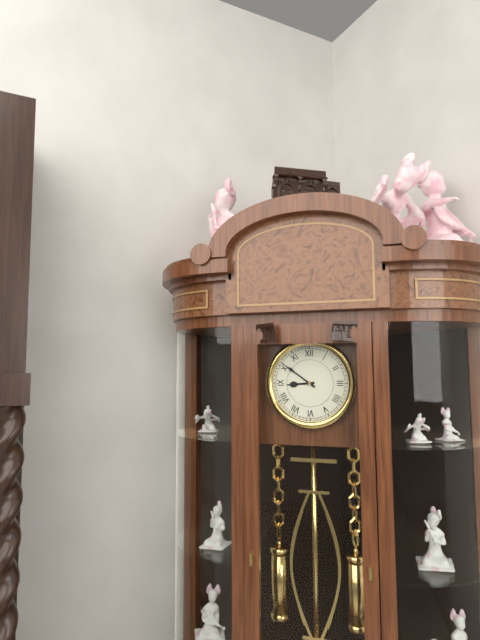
8:51
